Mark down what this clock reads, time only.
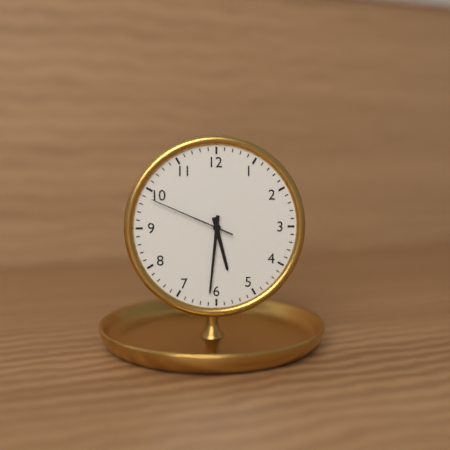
5:31:49
